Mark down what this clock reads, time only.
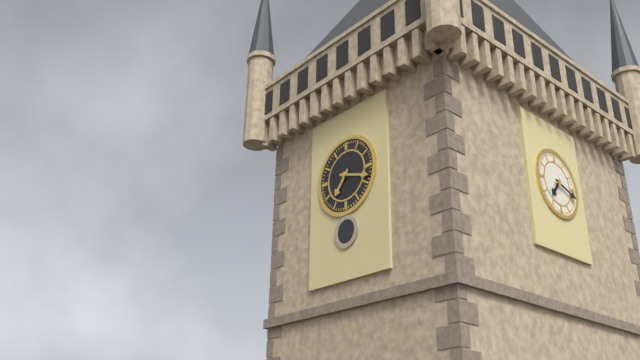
7:18
